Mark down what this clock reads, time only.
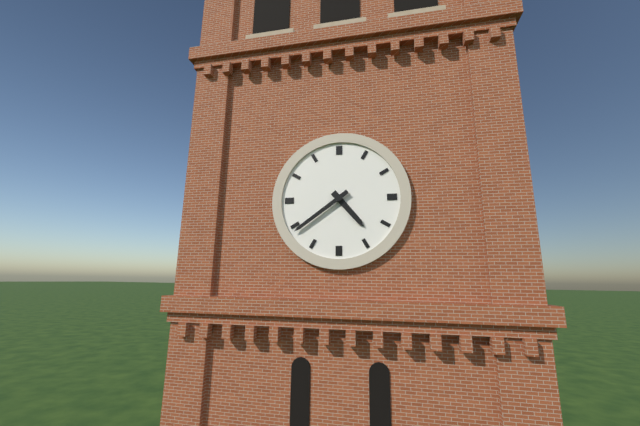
4:39
